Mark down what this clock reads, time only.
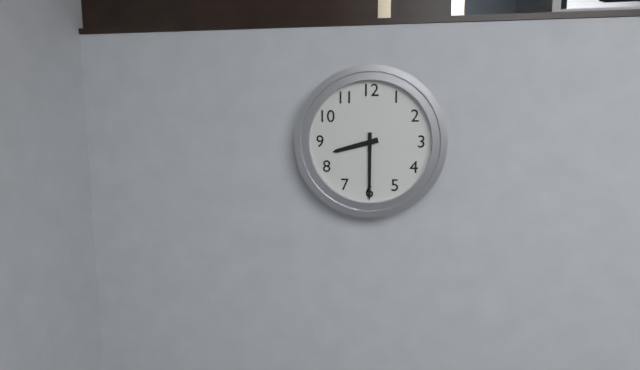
8:30
